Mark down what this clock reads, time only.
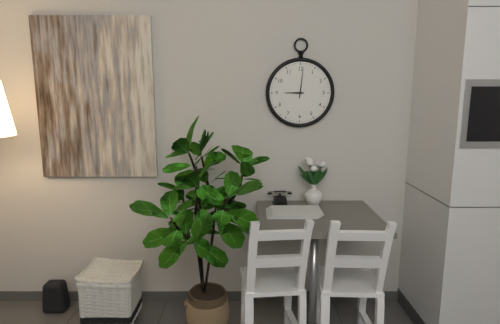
9:01
